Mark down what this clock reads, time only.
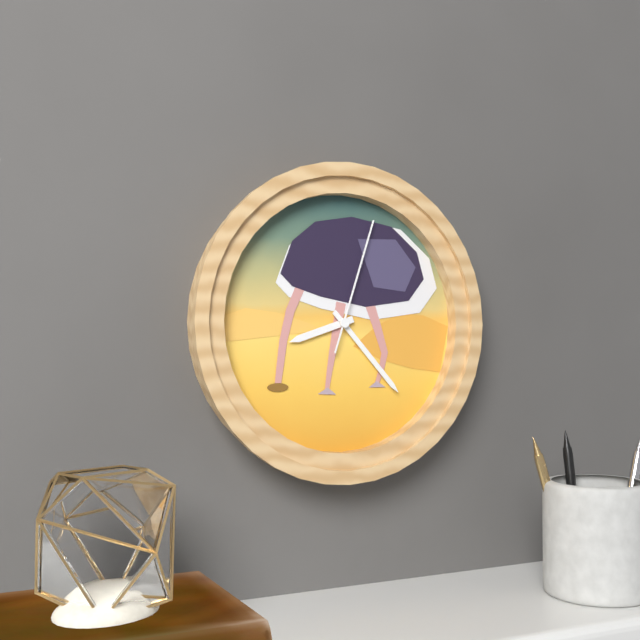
8:23:03
